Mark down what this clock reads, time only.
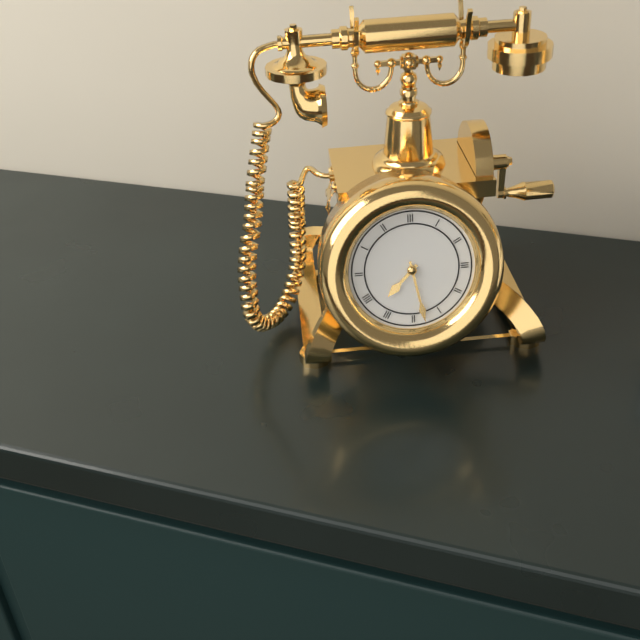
7:28
